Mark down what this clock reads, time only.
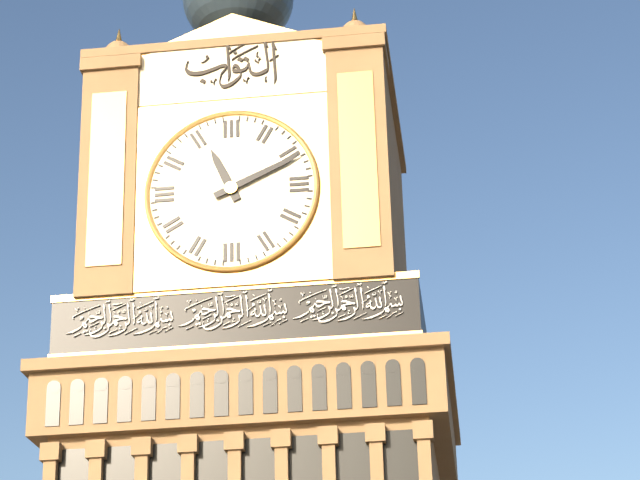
11:11
